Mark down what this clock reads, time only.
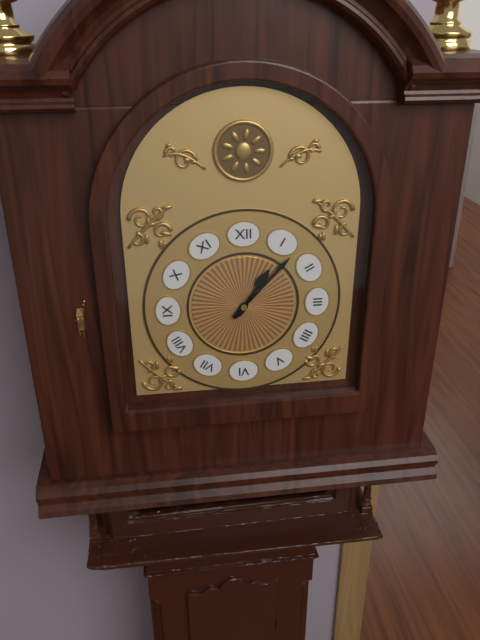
1:07
